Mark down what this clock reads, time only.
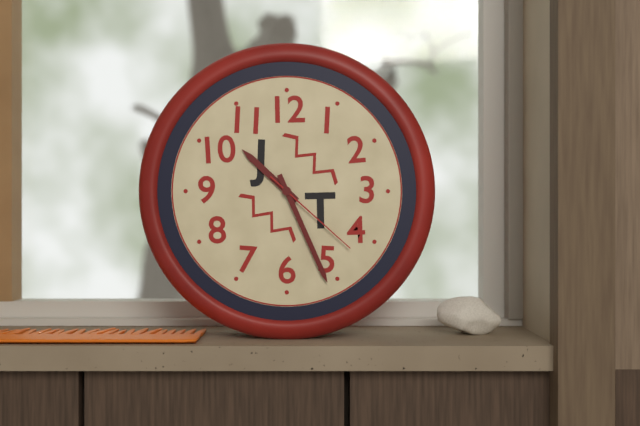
10:26:22
